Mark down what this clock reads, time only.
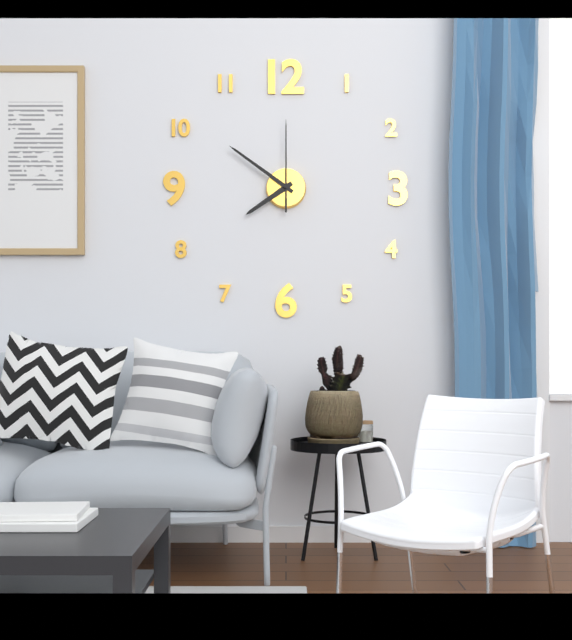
7:51:00
